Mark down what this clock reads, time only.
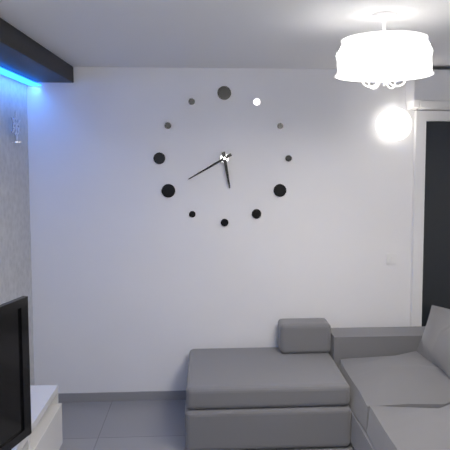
5:40
